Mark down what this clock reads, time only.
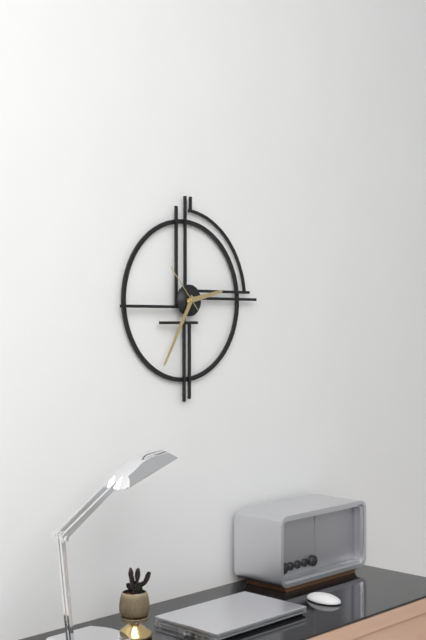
2:35
